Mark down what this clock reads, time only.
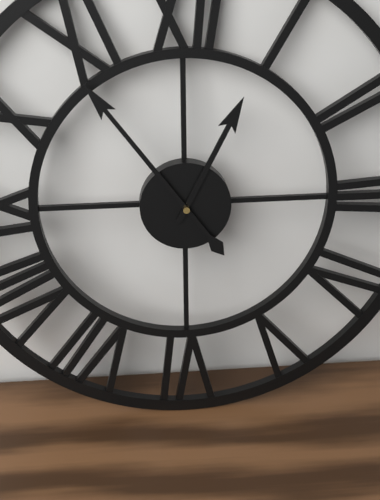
12:54
